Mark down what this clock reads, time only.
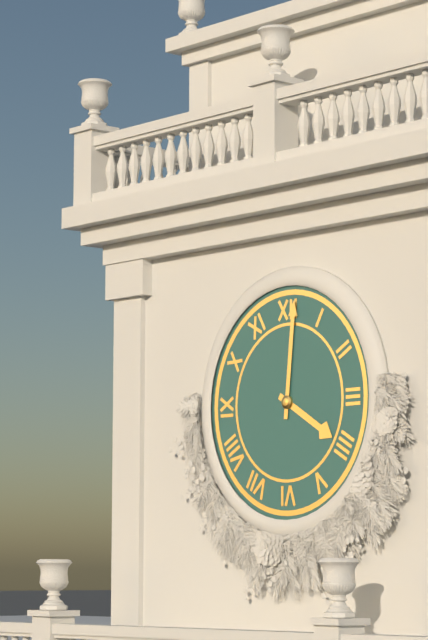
4:01
